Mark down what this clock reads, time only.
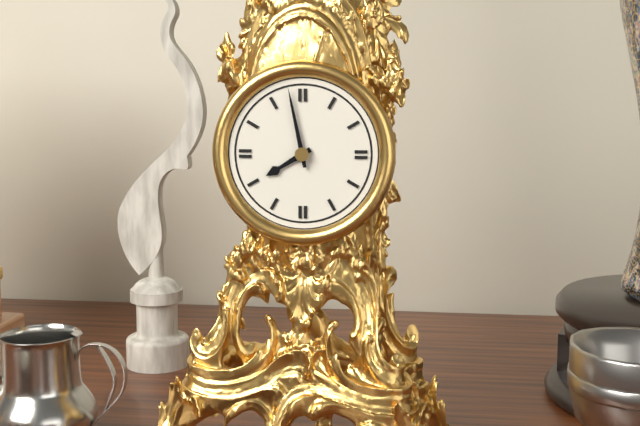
7:58
